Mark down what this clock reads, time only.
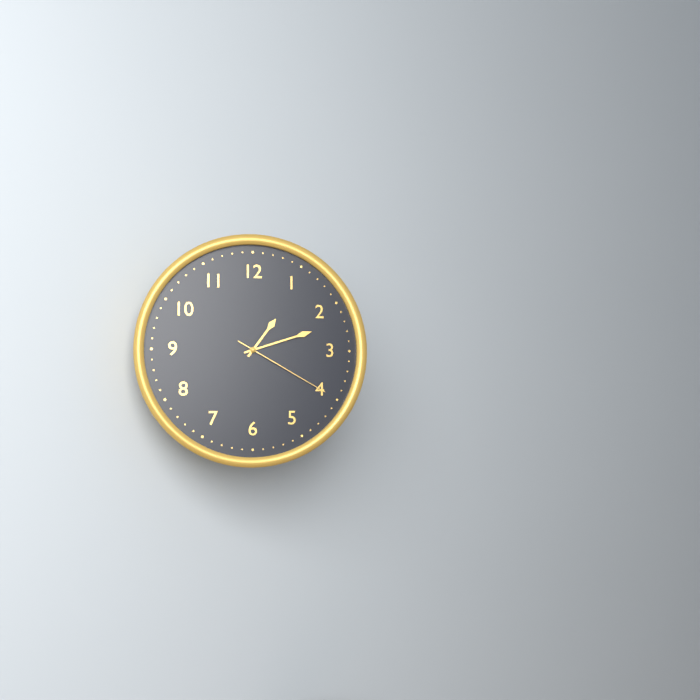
1:12:20
